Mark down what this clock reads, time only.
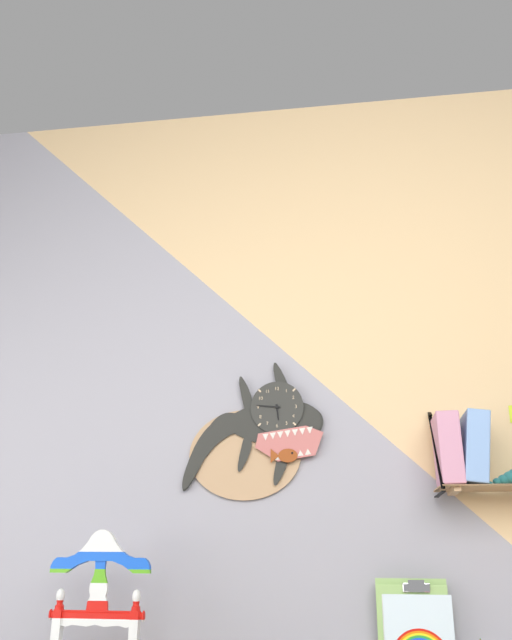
5:46
